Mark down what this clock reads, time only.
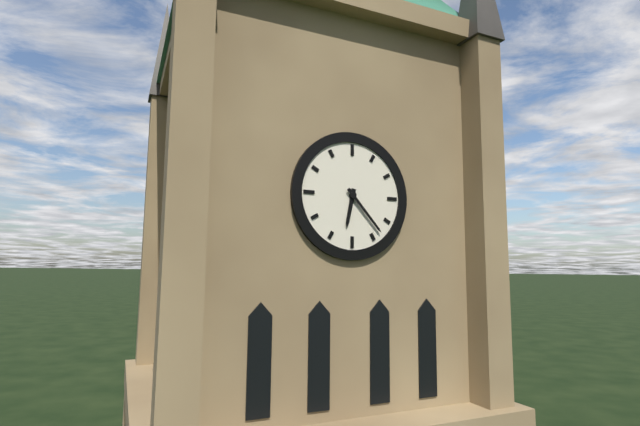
6:23
